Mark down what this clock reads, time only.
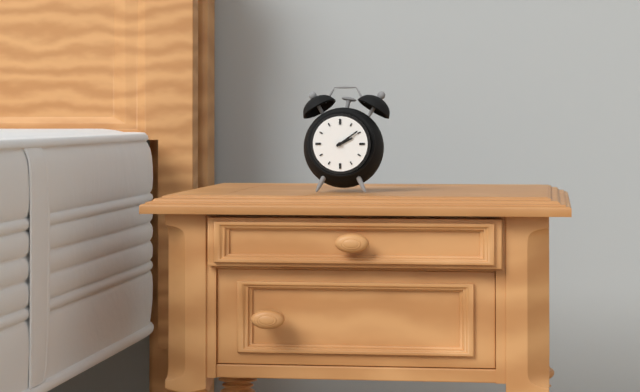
2:09
